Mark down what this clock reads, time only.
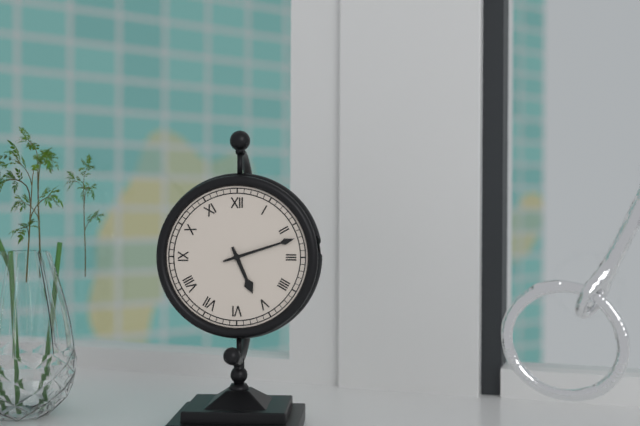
5:12
